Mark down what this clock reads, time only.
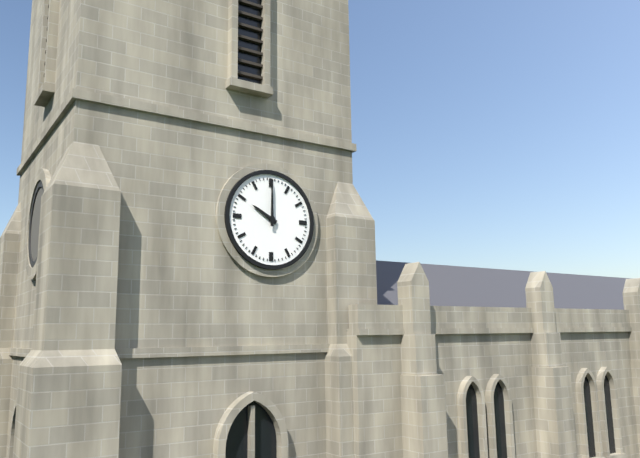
10:00
